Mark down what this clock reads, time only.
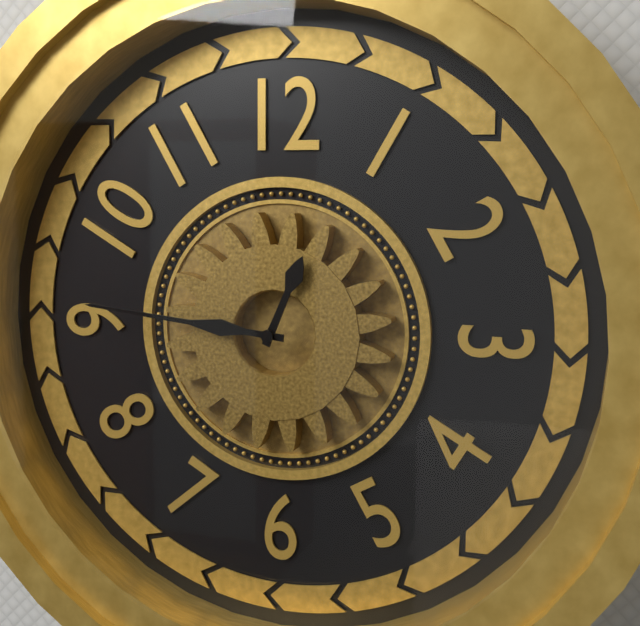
12:46
